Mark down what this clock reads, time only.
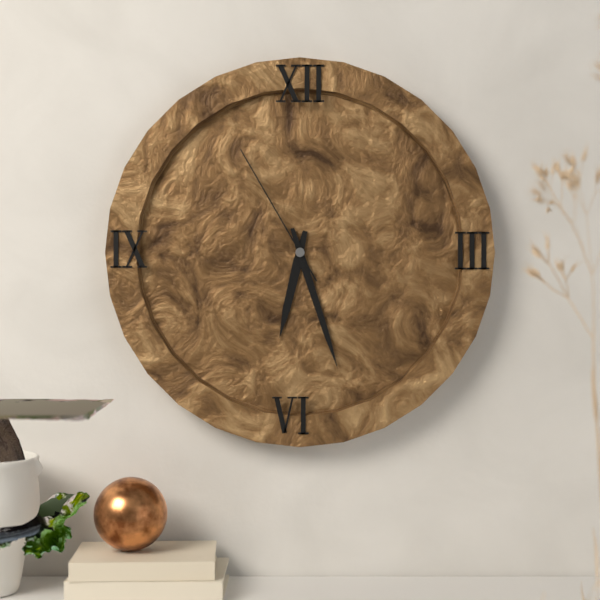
6:27:55
